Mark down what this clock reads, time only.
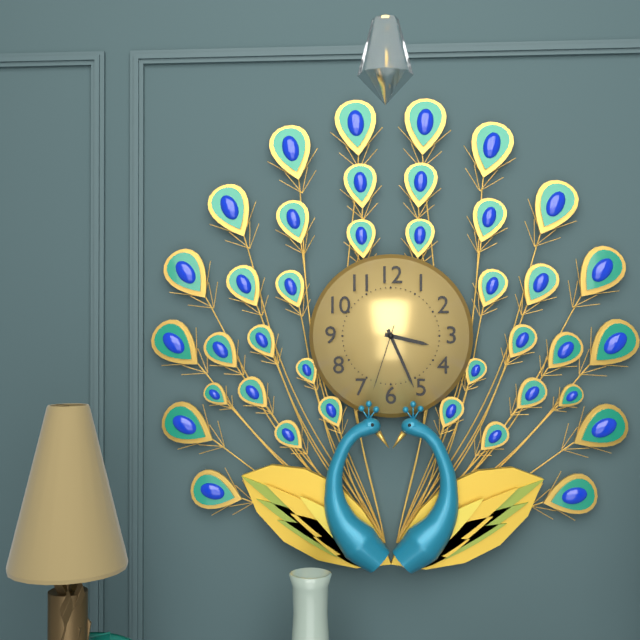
3:26:33
